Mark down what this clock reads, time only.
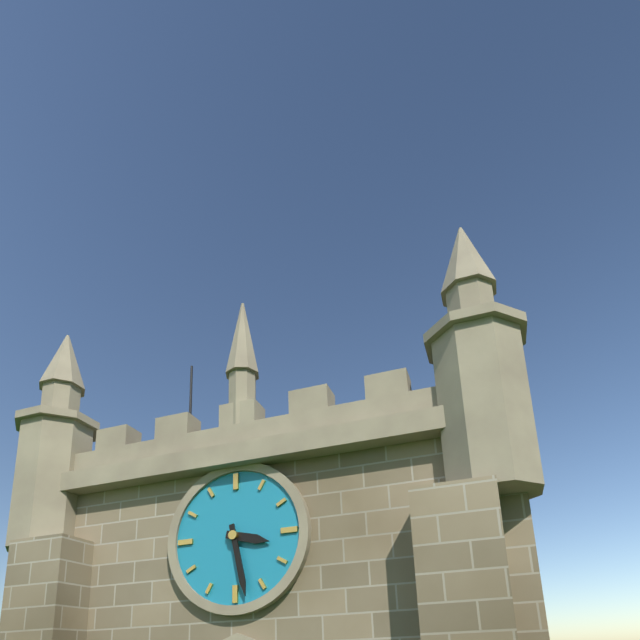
3:28
